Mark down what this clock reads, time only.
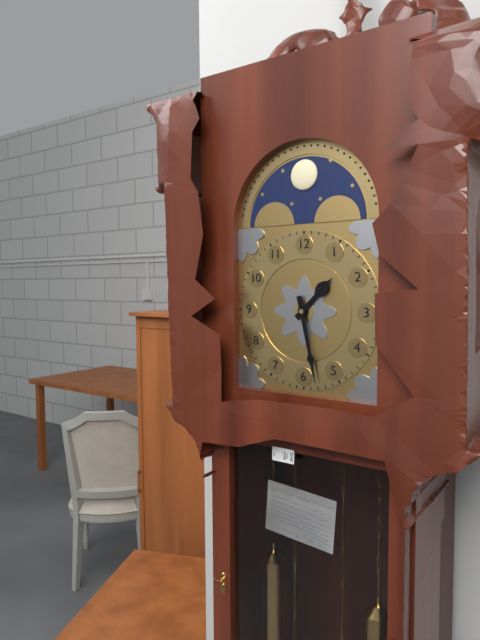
1:28
